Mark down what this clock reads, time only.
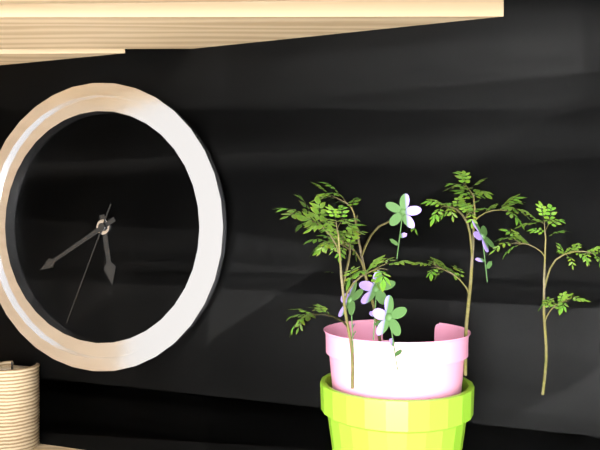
5:40:34
